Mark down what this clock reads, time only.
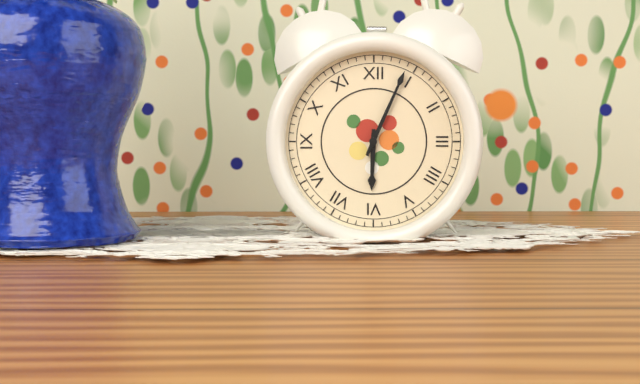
6:04
